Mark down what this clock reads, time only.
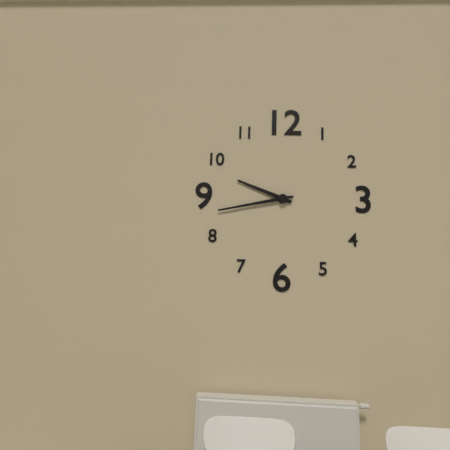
9:43
